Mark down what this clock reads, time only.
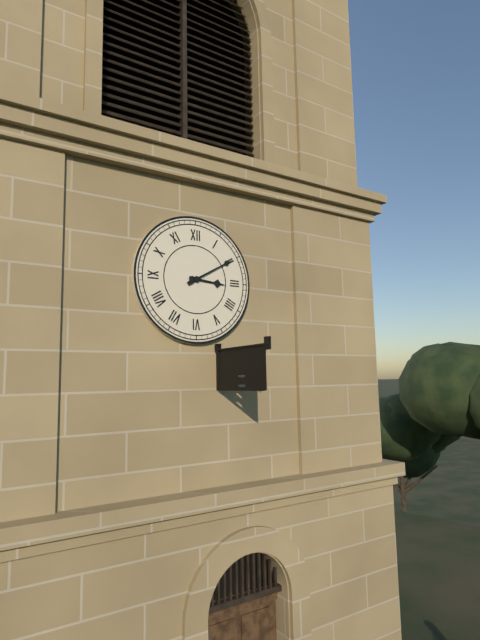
3:10
